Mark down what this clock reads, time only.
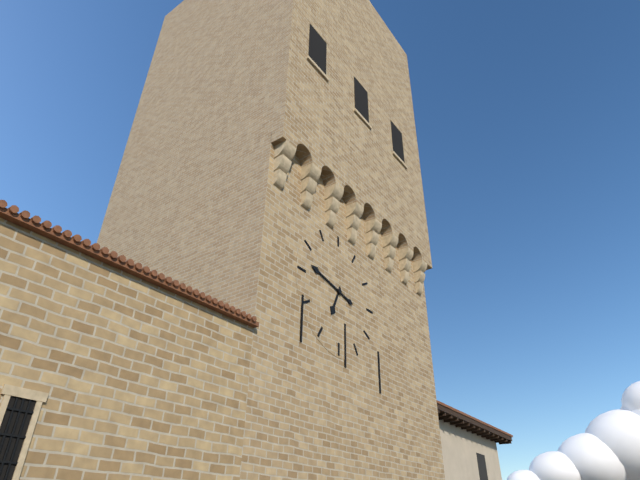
6:47
